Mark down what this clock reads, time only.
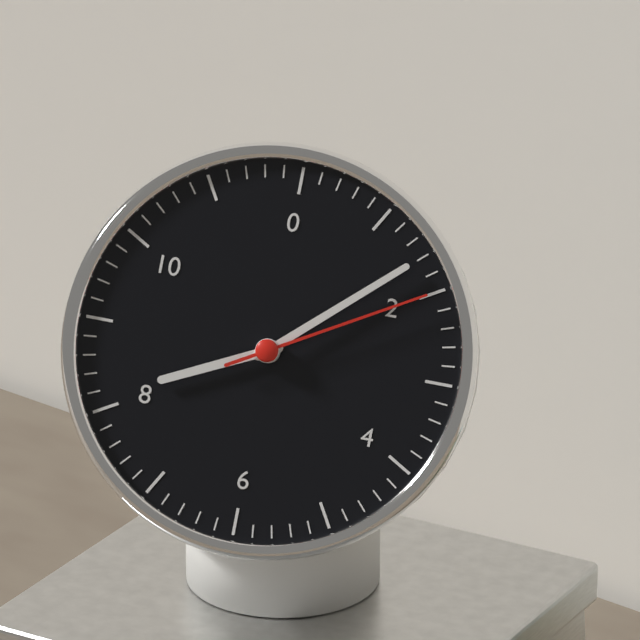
8:08:10
